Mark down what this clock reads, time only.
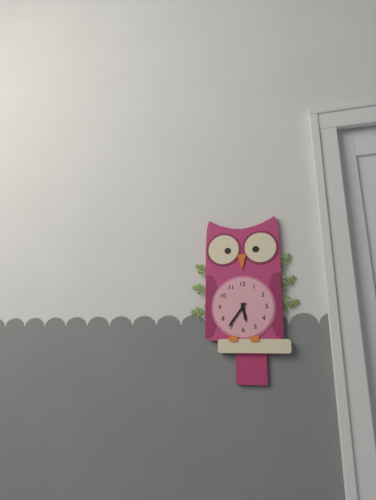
5:36
